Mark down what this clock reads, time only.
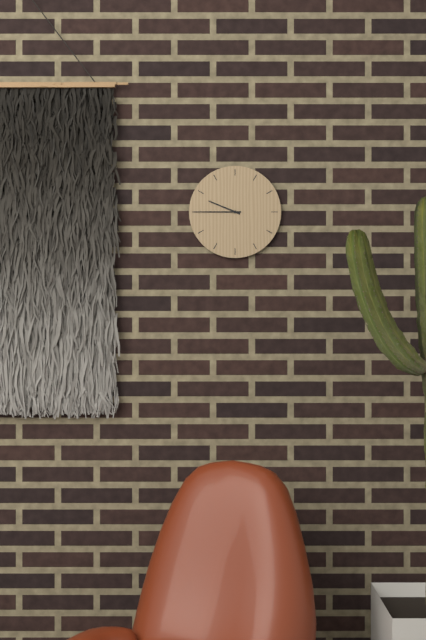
9:45
